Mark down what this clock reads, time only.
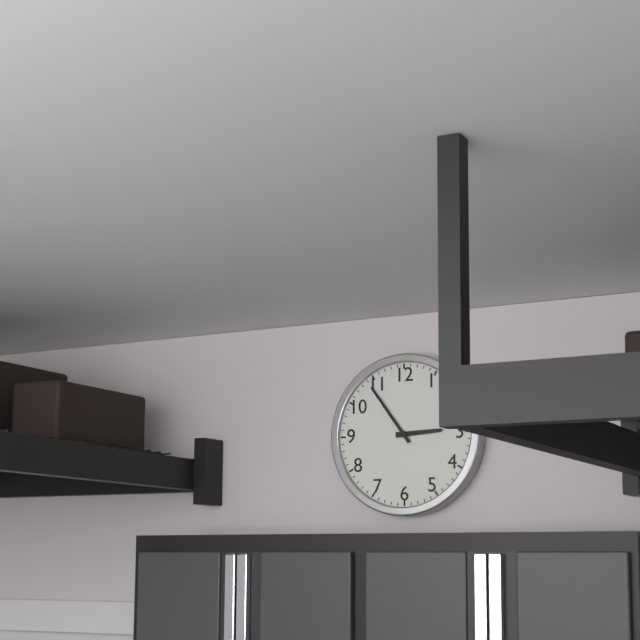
2:54
